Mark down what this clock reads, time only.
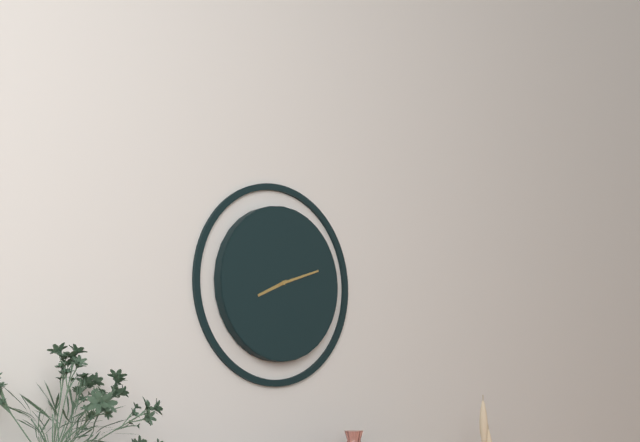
8:12
